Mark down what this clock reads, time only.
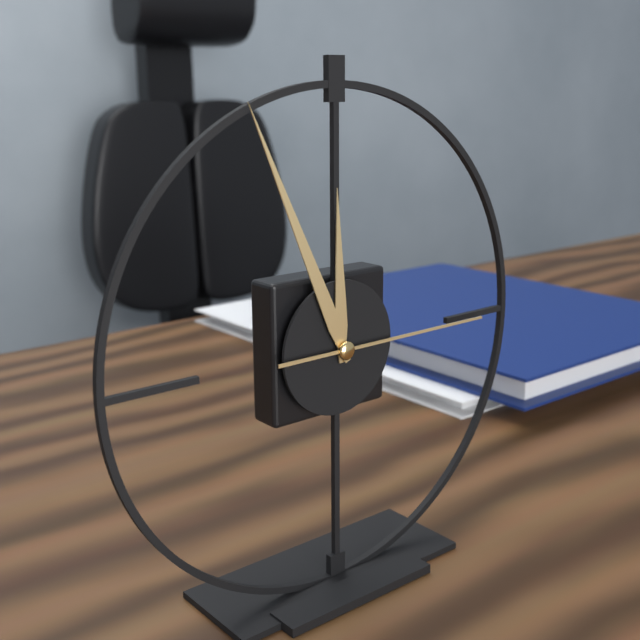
11:56:15
